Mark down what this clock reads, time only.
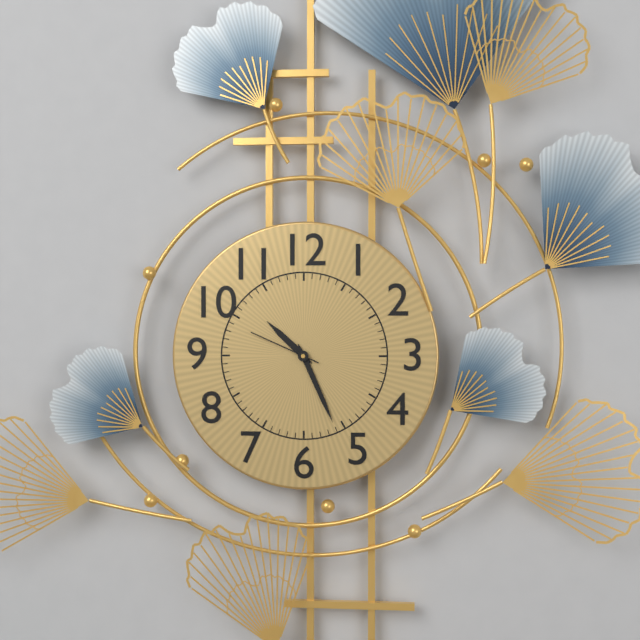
10:26:49
